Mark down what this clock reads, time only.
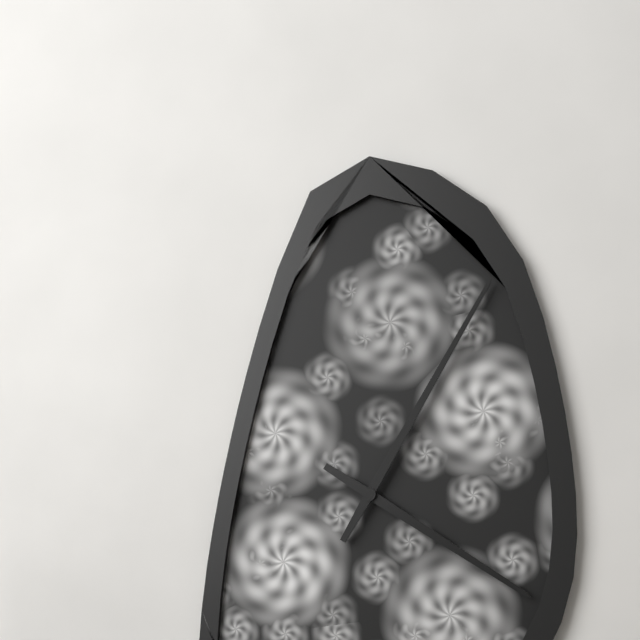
4:05
